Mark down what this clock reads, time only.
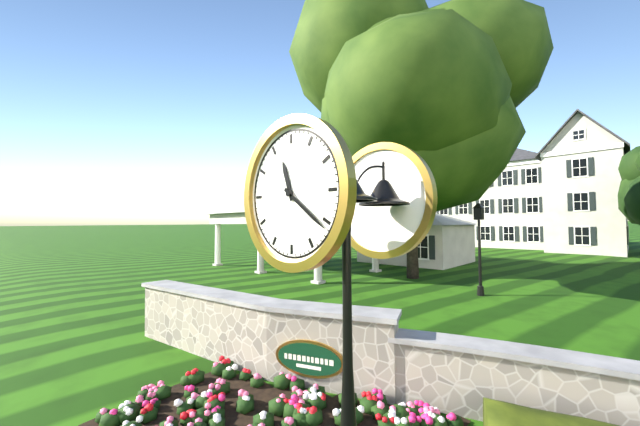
11:21
